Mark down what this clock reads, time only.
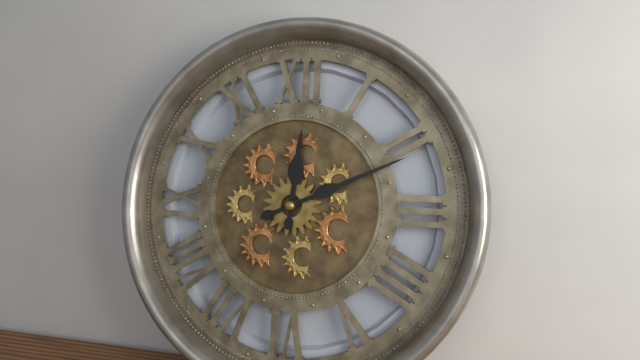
12:11
